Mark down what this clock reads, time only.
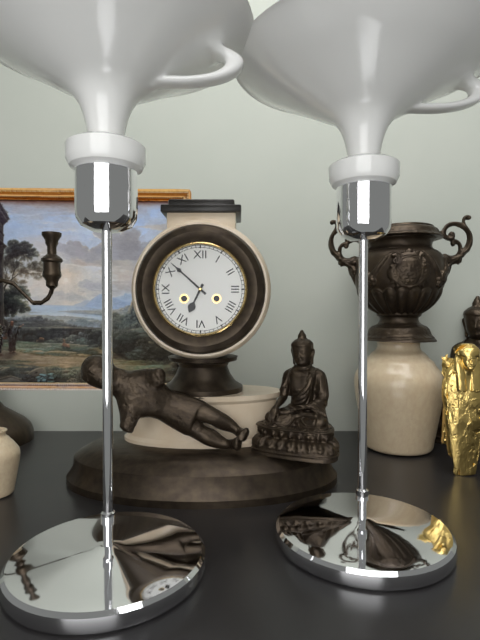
6:52
